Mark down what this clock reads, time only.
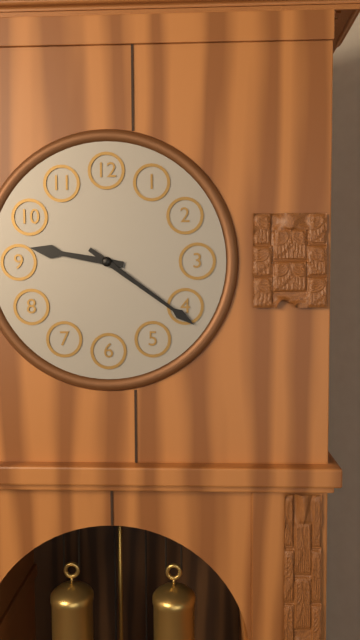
9:21
